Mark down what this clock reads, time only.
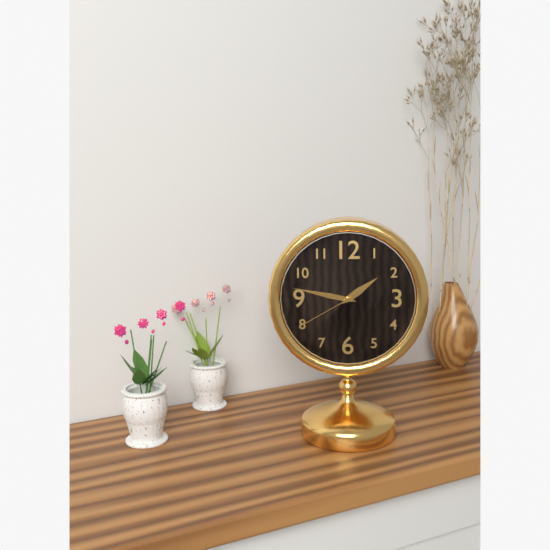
1:47:40
